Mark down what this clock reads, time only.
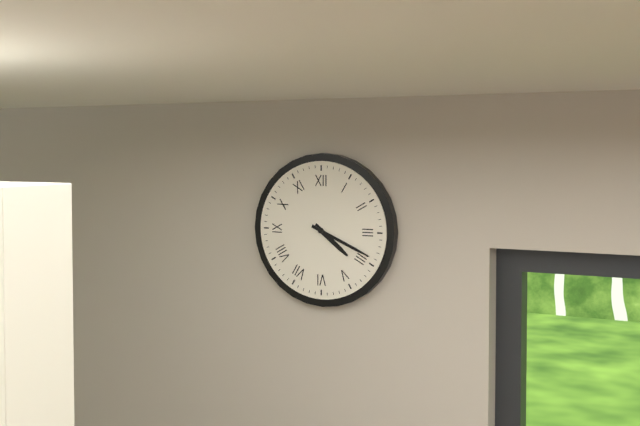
4:19
